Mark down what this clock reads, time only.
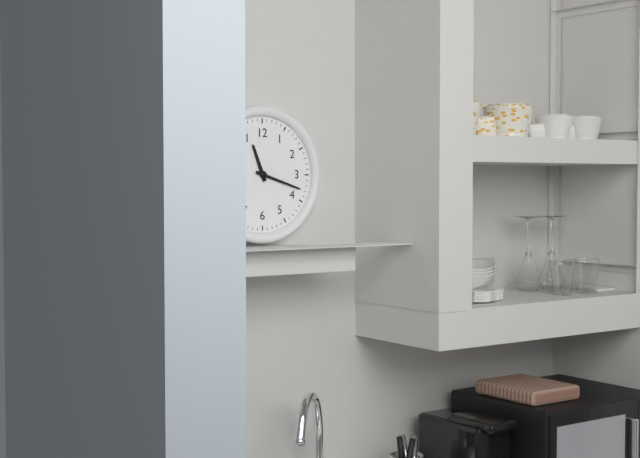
11:18
